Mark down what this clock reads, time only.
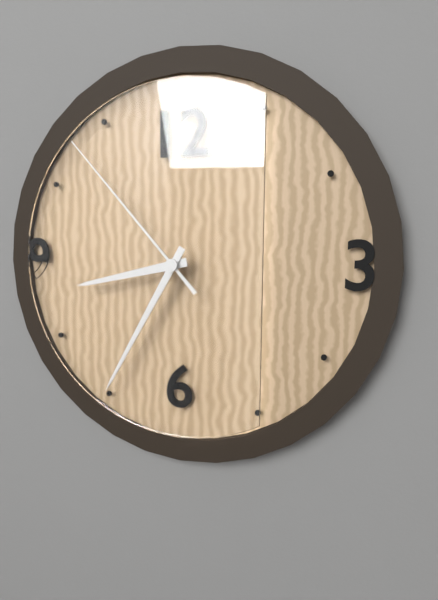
8:35:53
